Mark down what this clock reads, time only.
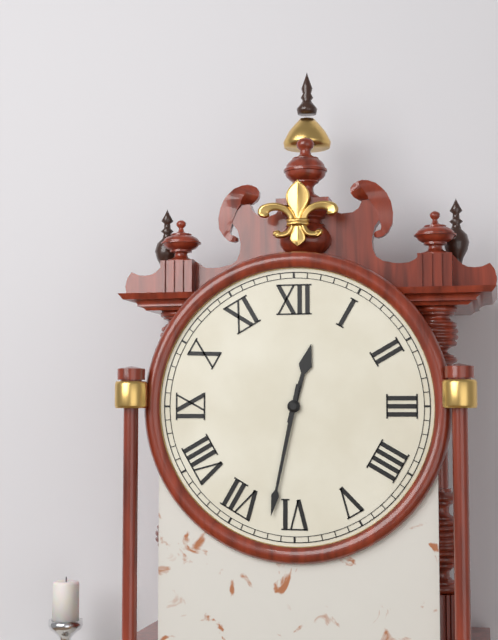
12:32
